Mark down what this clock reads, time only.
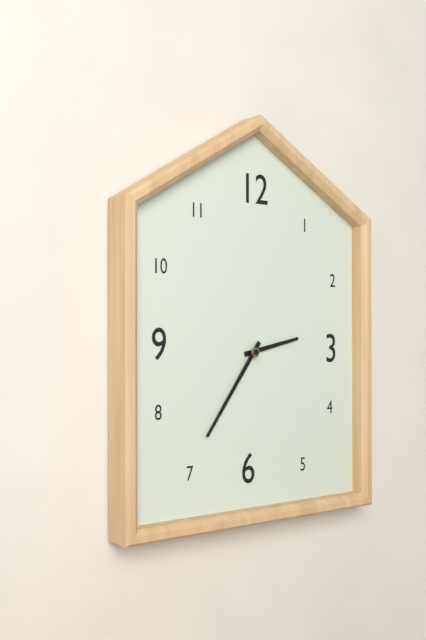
2:36
